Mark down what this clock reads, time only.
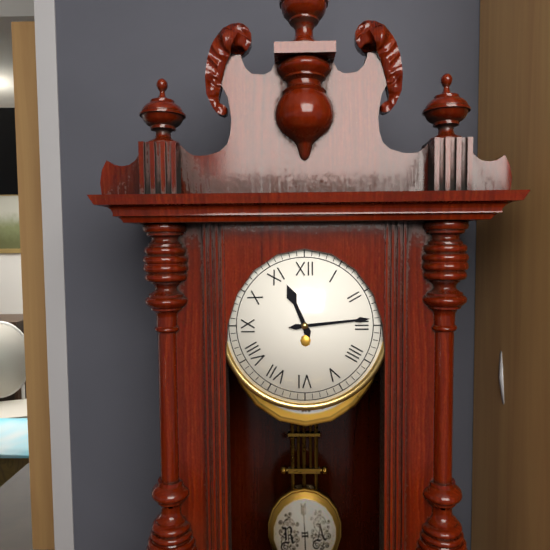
11:14
